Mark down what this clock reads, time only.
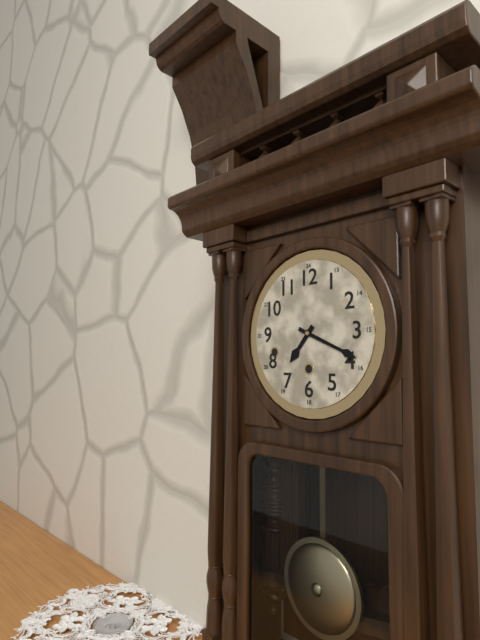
7:19
